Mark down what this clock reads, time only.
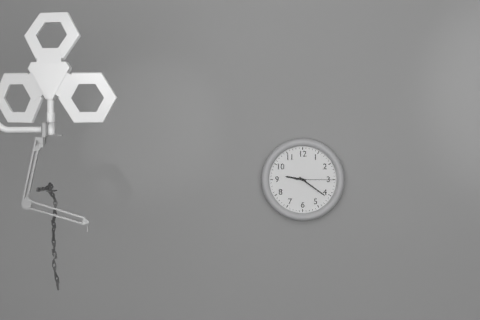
9:21
